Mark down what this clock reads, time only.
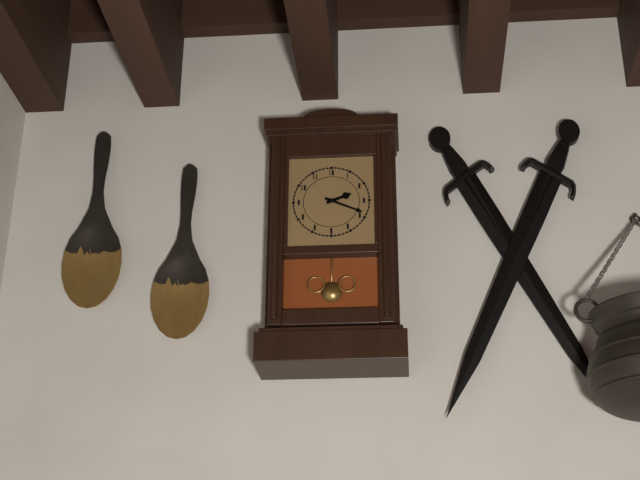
2:19
